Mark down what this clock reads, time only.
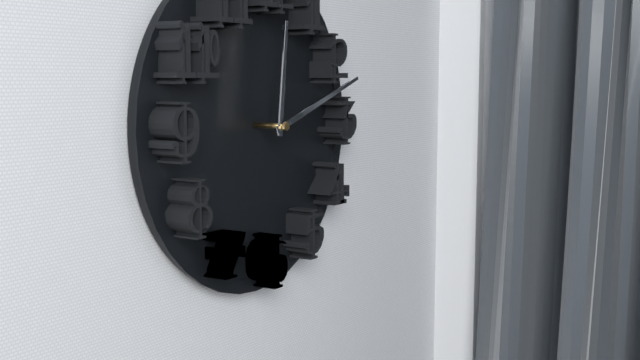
12:12
